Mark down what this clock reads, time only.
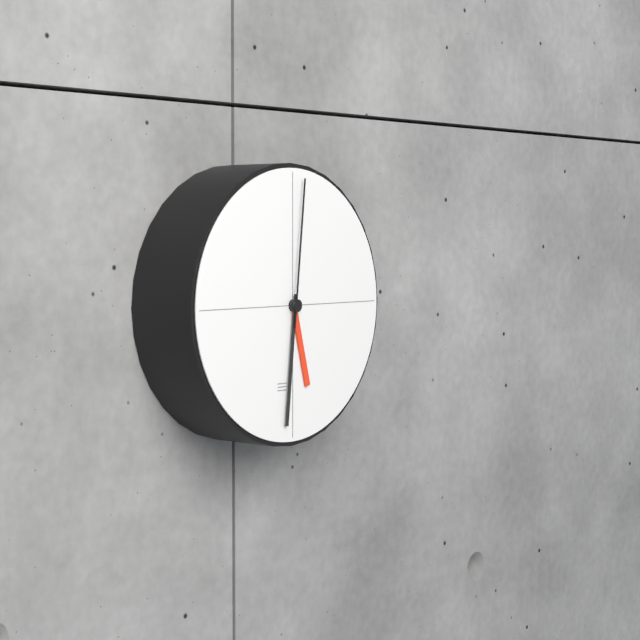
5:31:01
